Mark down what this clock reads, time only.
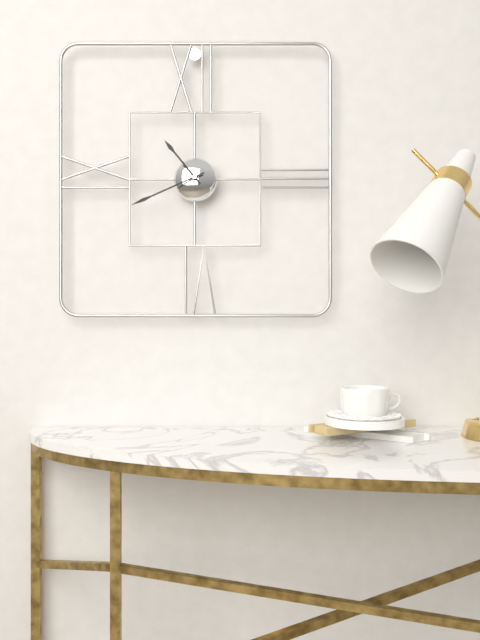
10:41
